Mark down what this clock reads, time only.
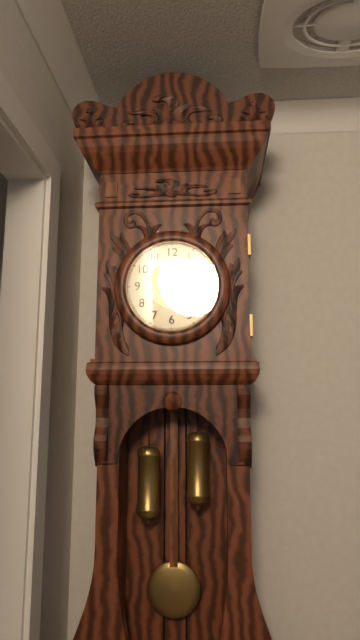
1:13
